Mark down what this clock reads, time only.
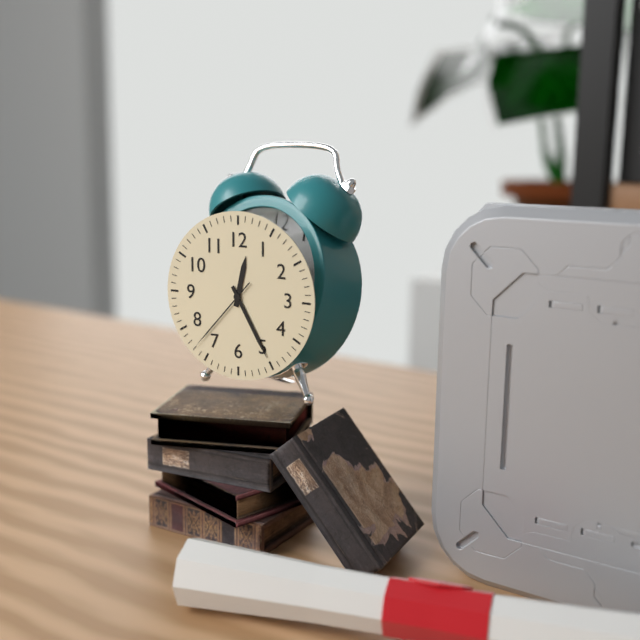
12:25:37
